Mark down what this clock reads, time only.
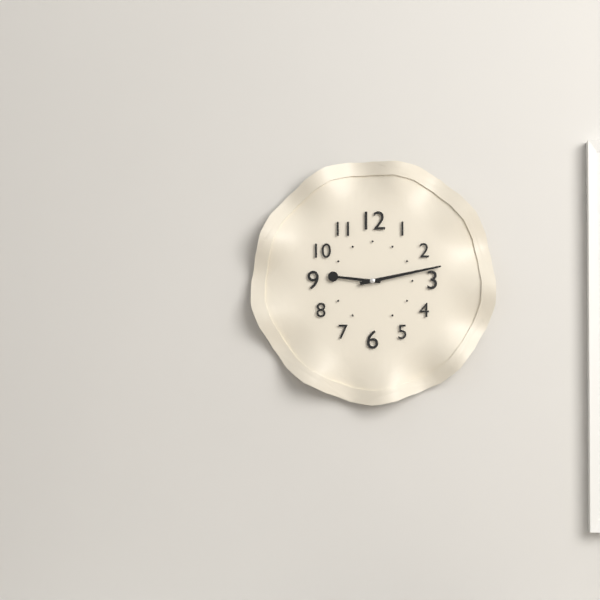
9:13
